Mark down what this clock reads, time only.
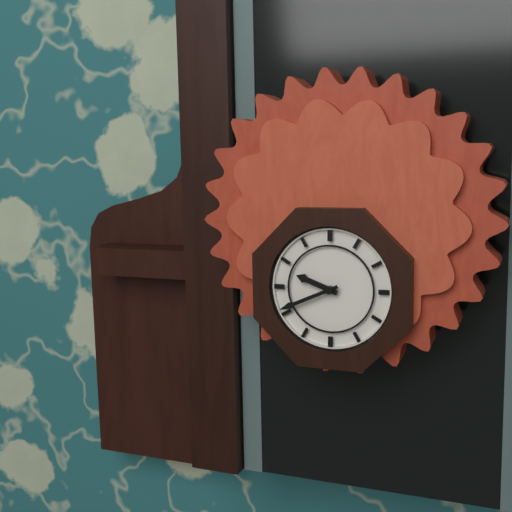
9:41
